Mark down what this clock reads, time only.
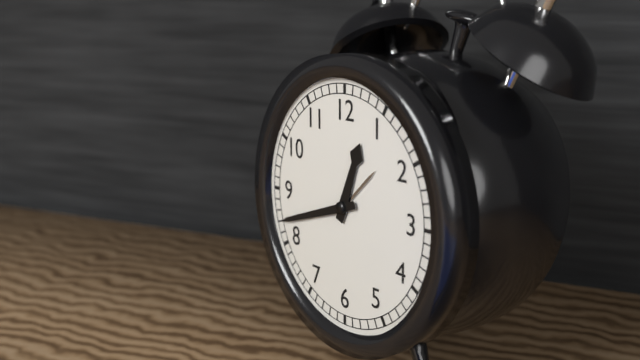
12:42
